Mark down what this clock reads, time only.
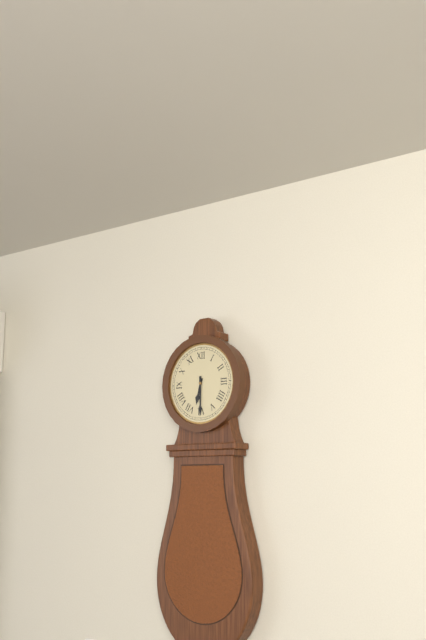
6:30
